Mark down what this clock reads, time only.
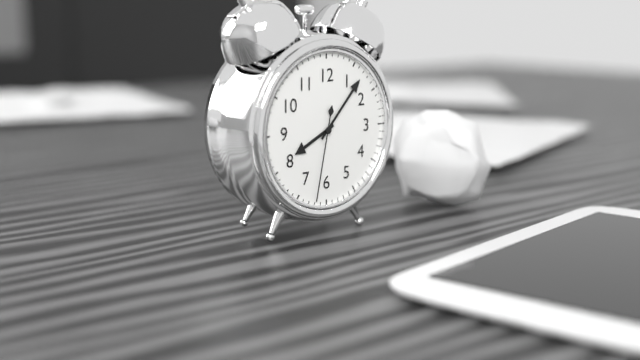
8:07:32
